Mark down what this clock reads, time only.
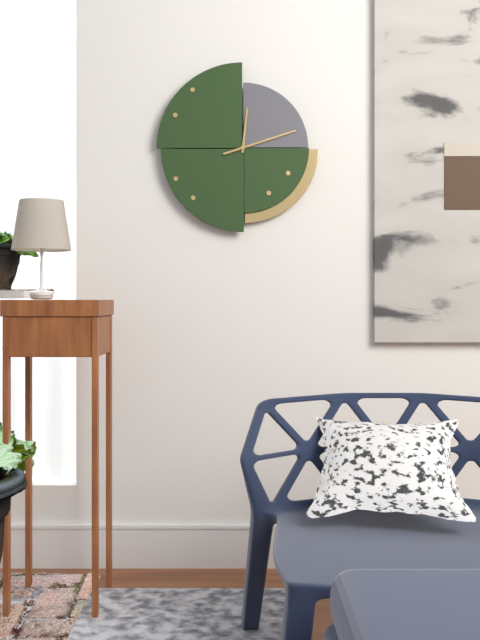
12:12
